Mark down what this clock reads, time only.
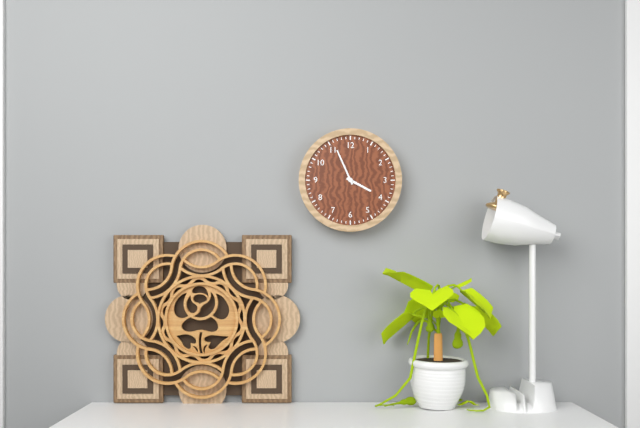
3:56
